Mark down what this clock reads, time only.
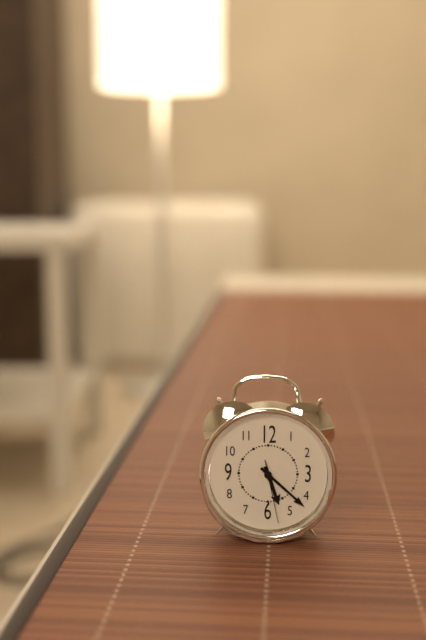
5:22:28
